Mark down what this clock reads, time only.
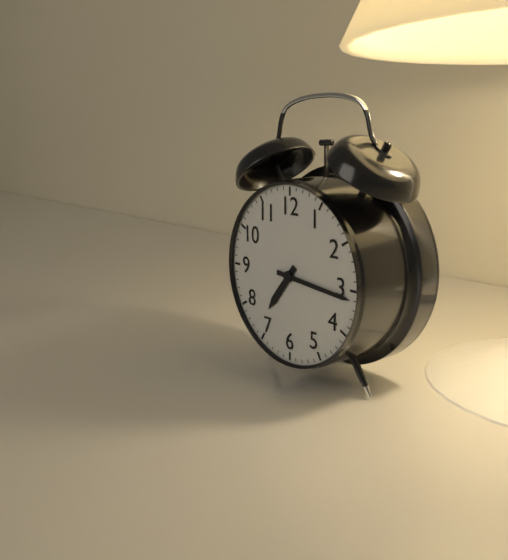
7:16
